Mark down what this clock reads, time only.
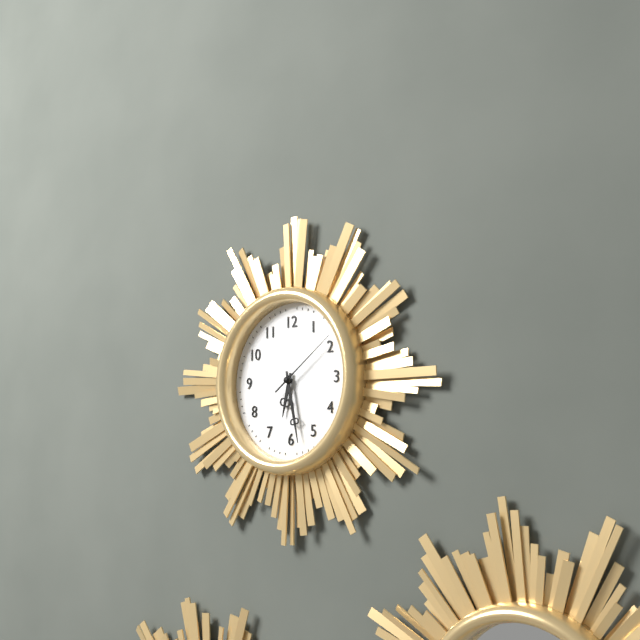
6:28:09
